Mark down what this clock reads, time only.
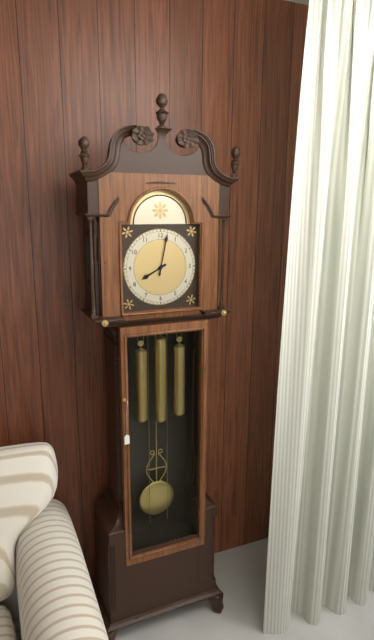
8:02
